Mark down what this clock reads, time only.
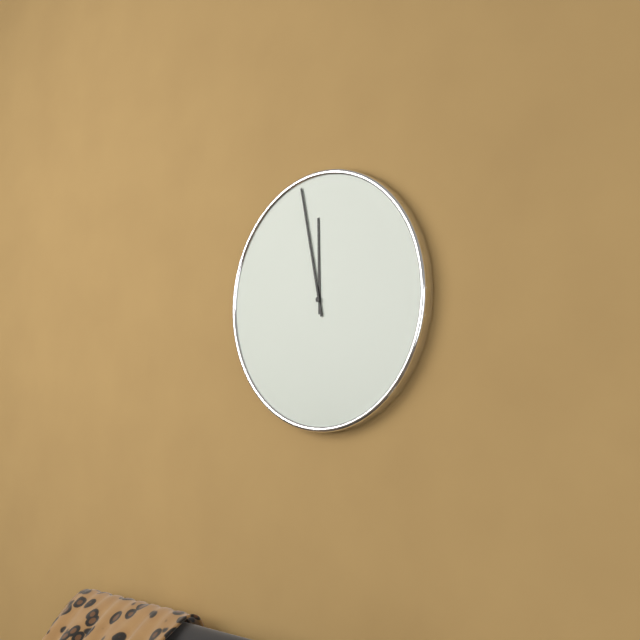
11:58
